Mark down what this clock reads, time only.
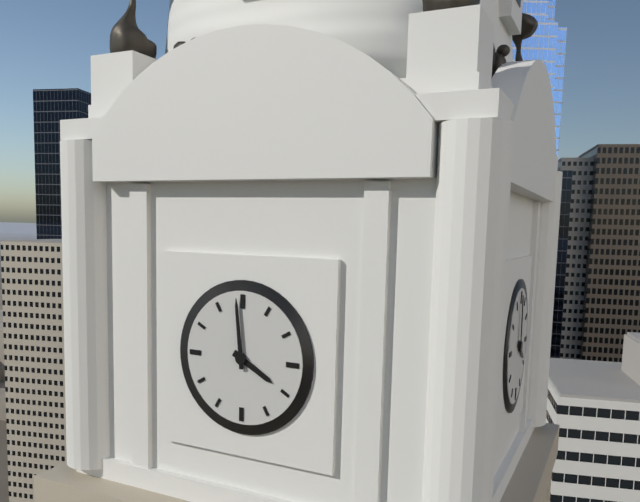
3:59
